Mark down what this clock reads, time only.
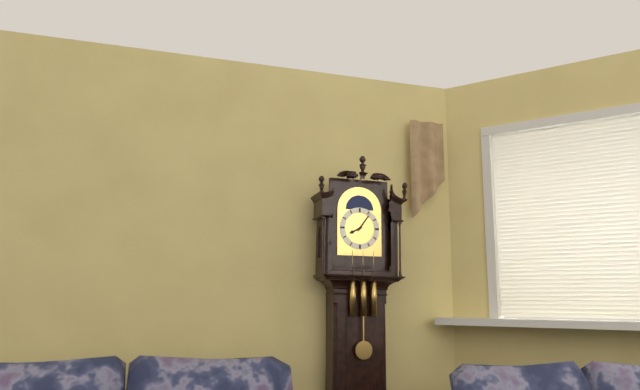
8:06
